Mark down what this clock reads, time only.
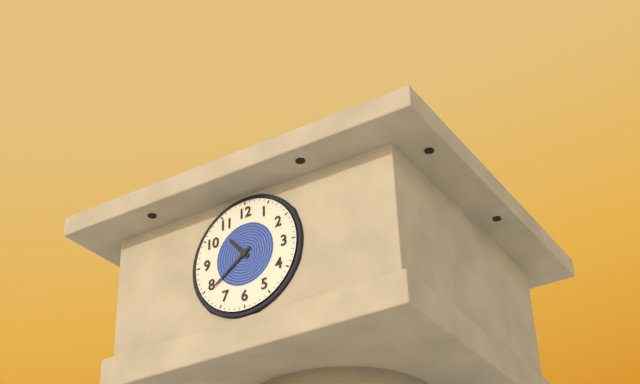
10:39
